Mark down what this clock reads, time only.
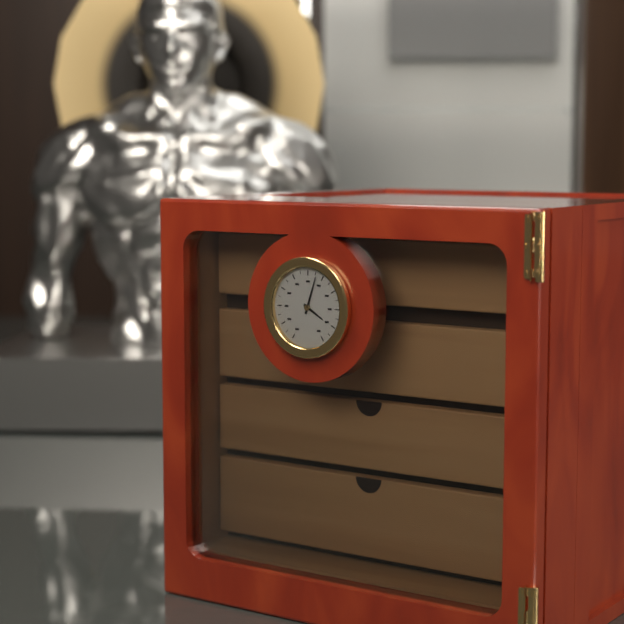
4:03
